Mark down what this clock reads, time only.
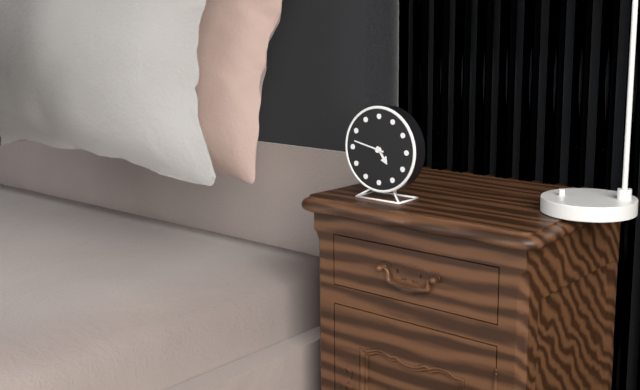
4:47
